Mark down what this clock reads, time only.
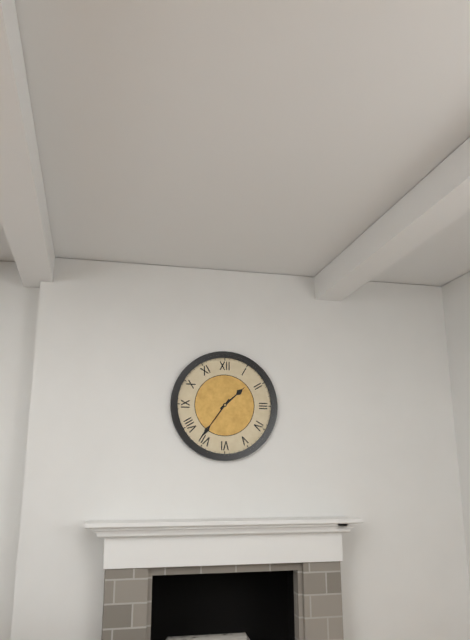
1:36
